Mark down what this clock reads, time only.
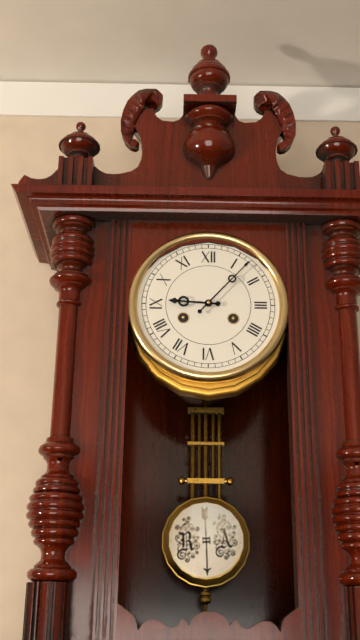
9:07
